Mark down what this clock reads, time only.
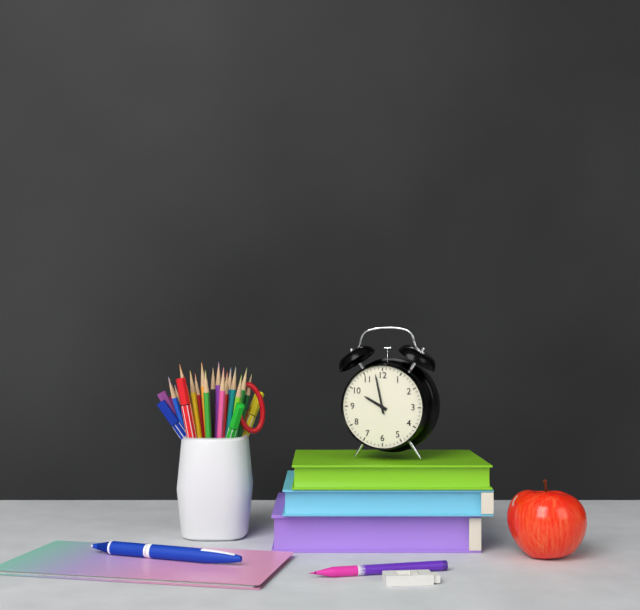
9:58
